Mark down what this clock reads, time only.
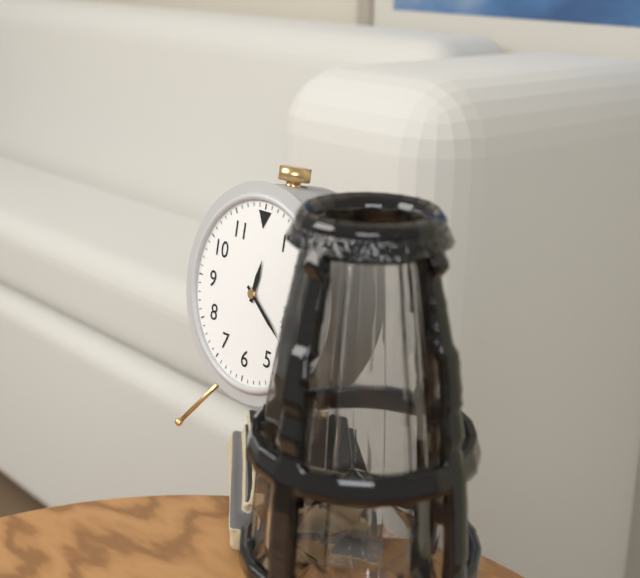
12:21
